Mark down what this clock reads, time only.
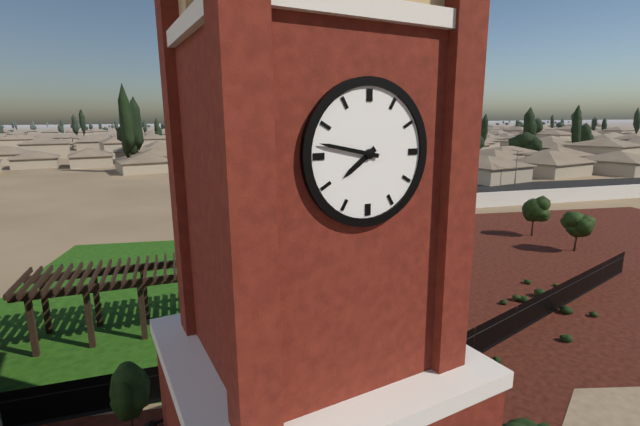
7:47
